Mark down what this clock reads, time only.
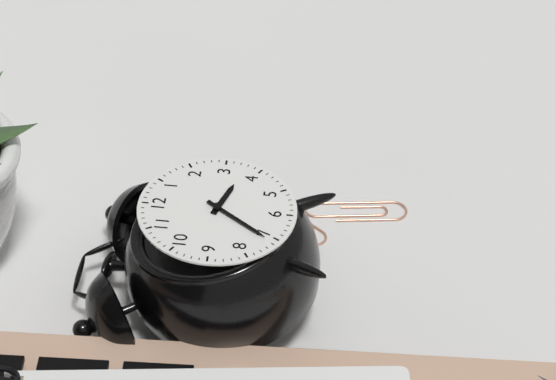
3:36
